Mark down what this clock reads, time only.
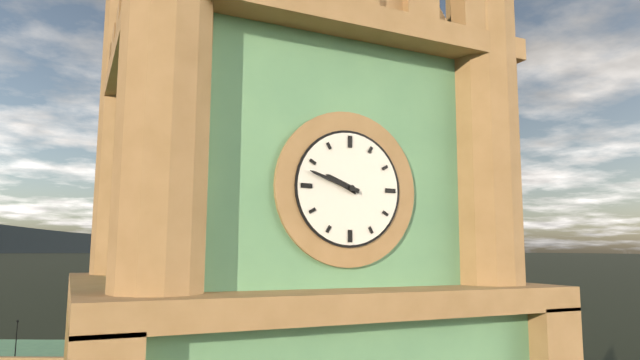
9:48
